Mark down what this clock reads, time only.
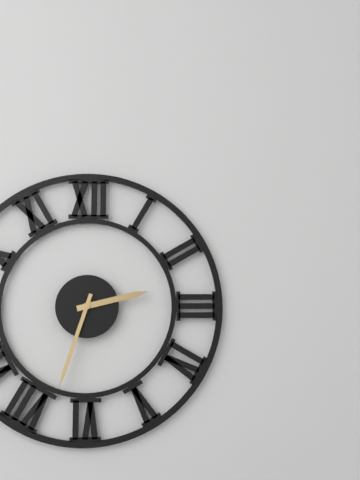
2:33
